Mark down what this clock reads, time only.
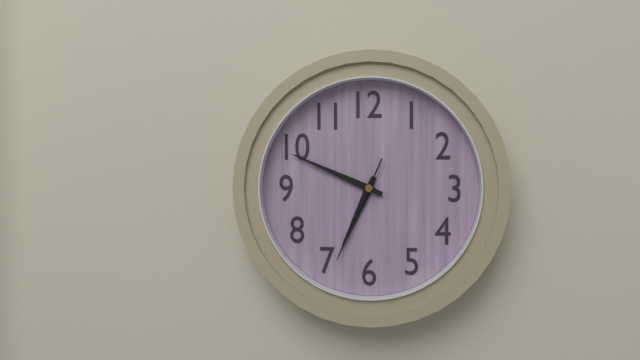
6:49:34
